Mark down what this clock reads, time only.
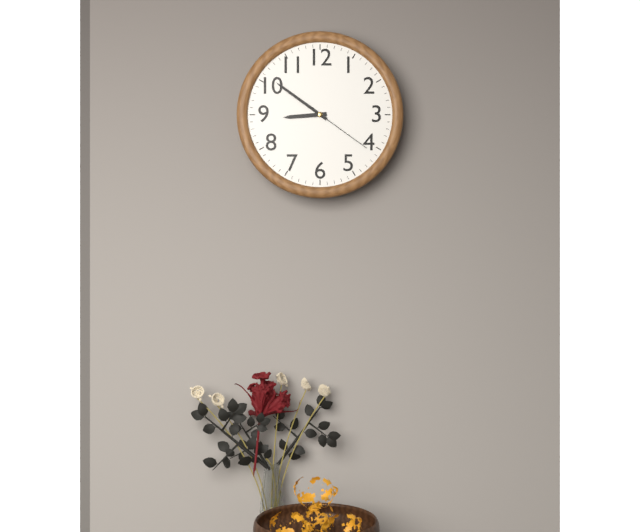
8:51:21
